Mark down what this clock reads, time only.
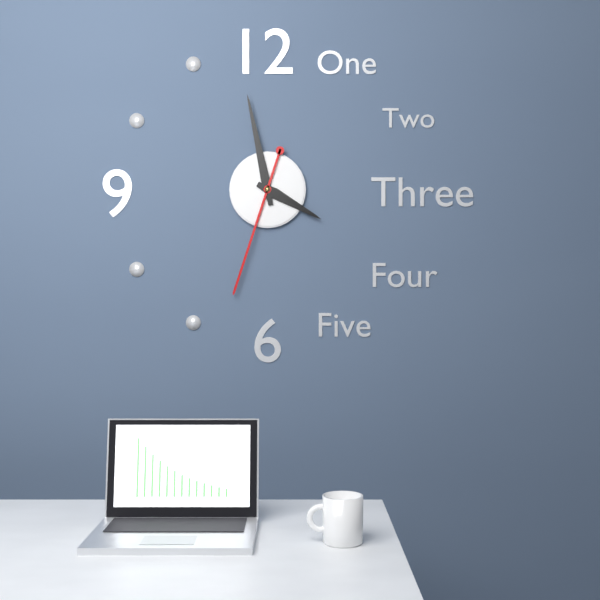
3:58:33
